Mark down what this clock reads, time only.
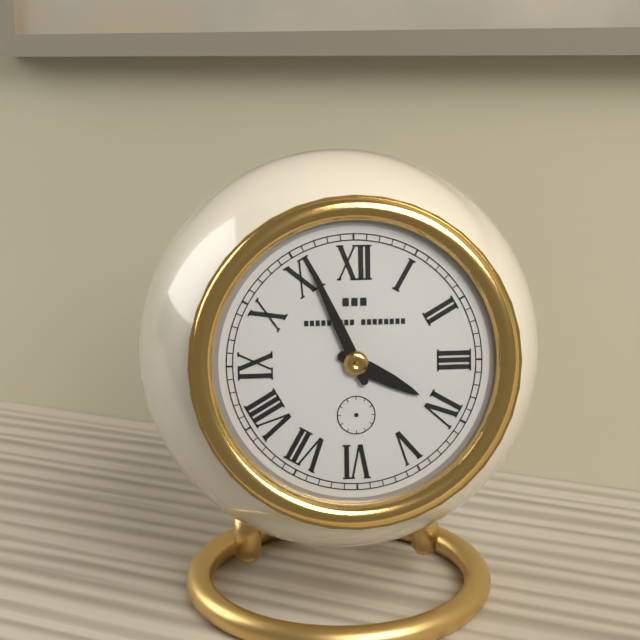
3:56
